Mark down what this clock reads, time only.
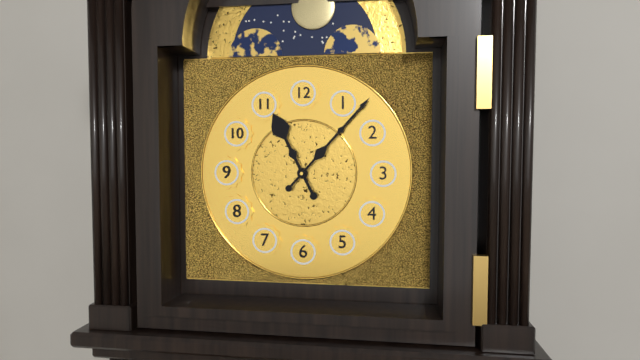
11:07
